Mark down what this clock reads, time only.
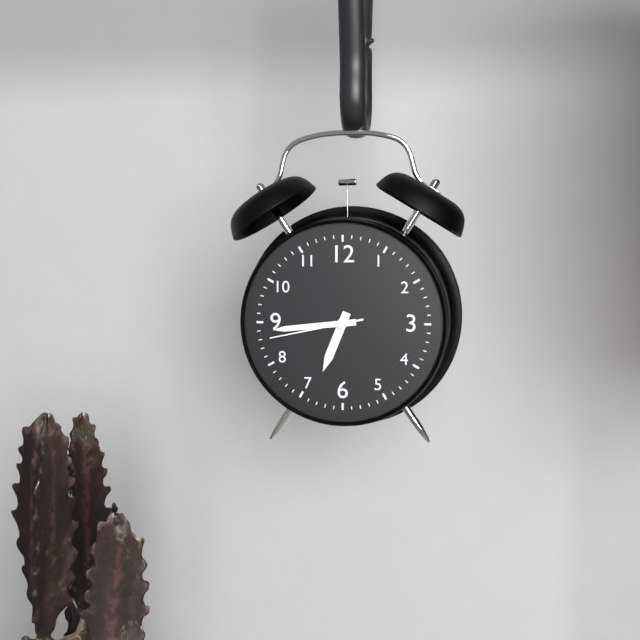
6:44:43
